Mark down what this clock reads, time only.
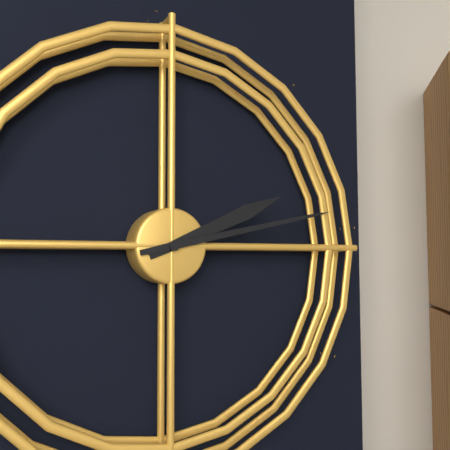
2:13
